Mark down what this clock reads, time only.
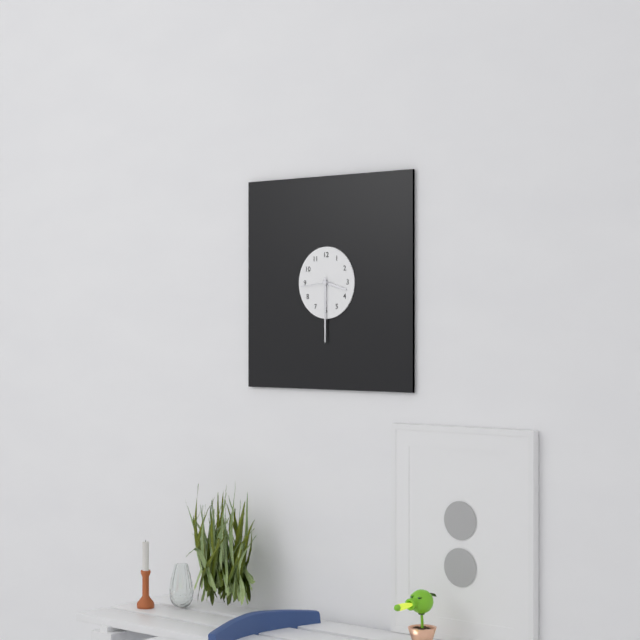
3:30
